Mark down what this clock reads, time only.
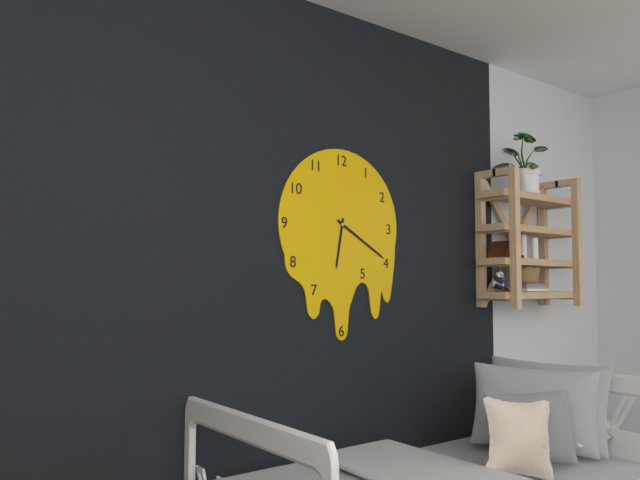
6:20
